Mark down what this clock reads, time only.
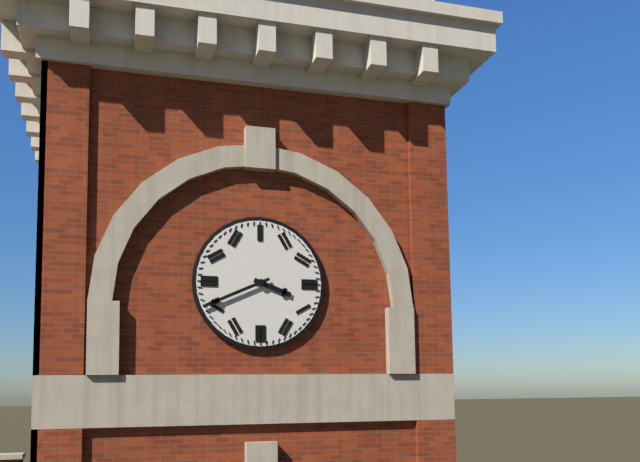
3:41
